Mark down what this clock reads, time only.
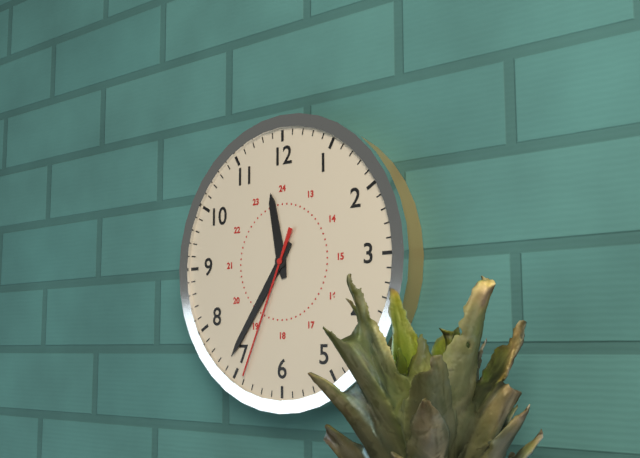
11:36:34
